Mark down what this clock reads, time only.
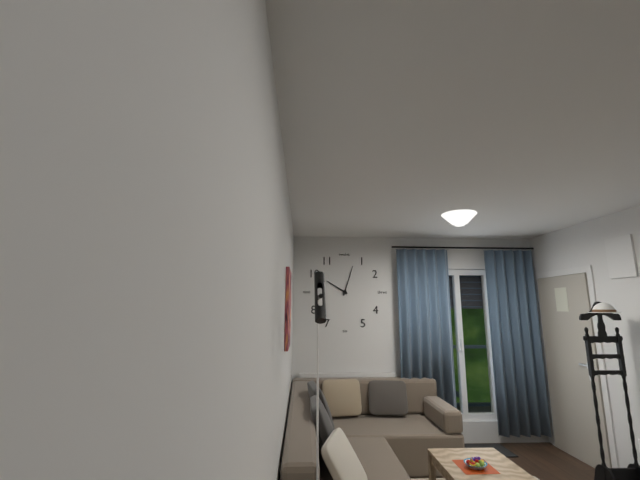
10:03
